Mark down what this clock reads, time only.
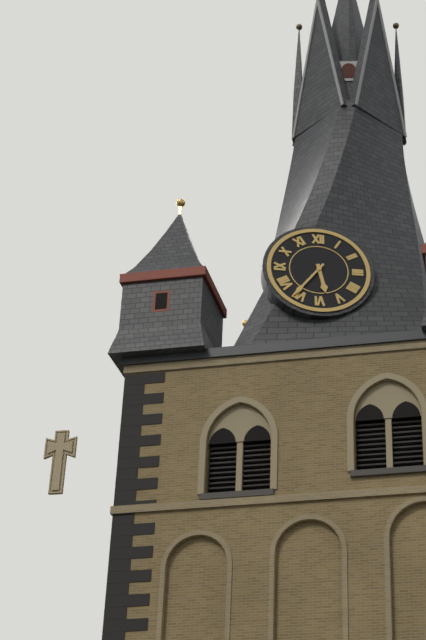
5:36
